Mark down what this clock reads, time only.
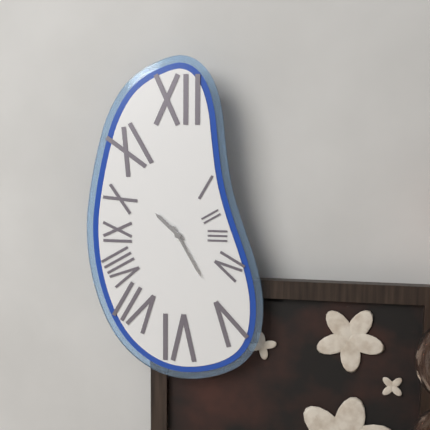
10:25
